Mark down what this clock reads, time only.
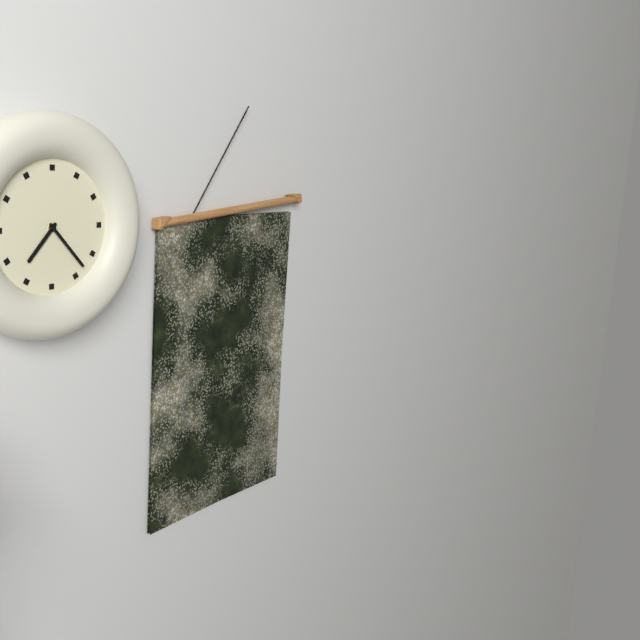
7:23
